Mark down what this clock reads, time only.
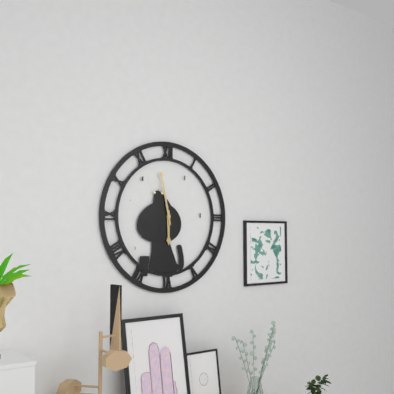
5:58
